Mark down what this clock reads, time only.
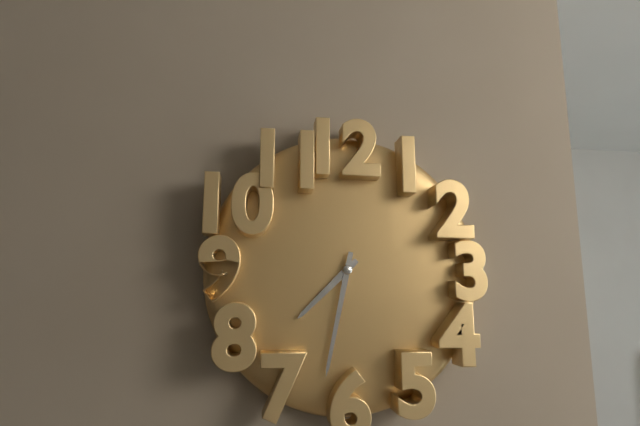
7:32
